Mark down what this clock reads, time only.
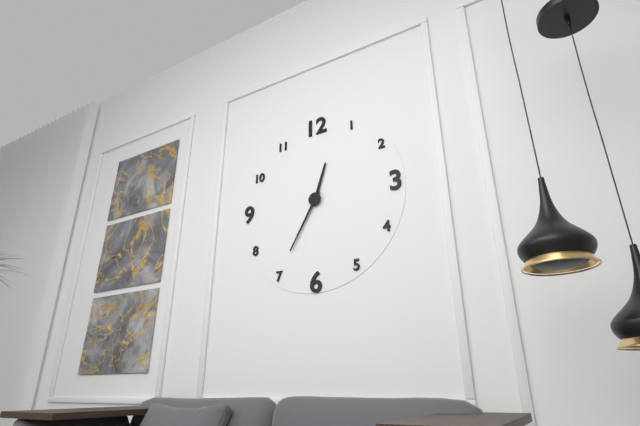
12:35
